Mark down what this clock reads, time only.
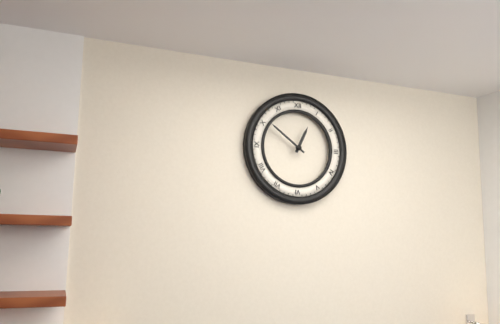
12:51
